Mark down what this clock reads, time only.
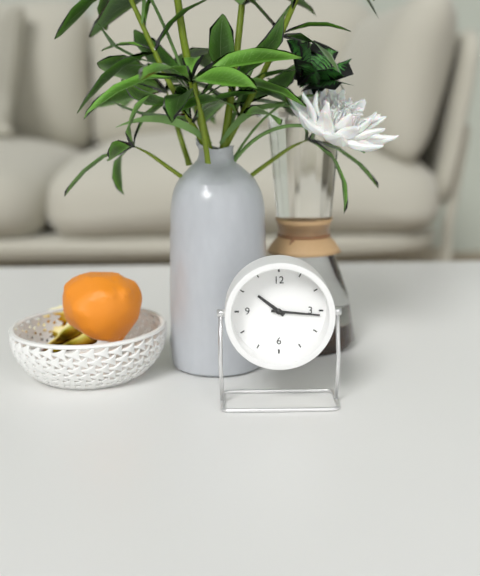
10:16
